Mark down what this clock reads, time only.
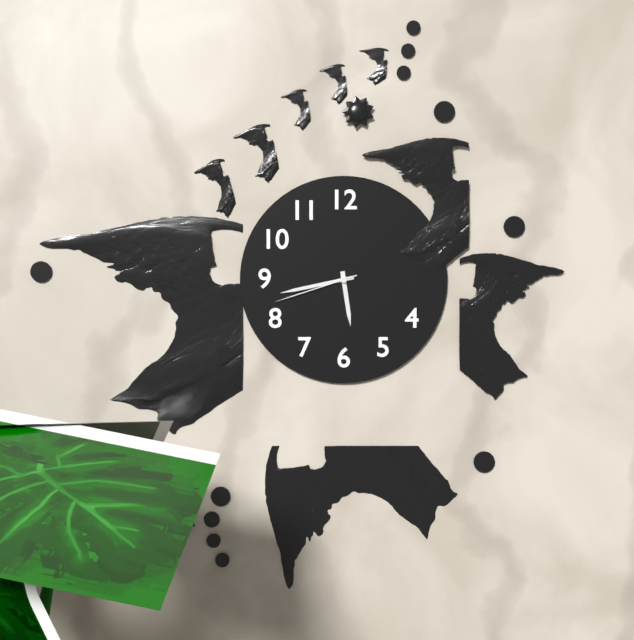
5:43:42
